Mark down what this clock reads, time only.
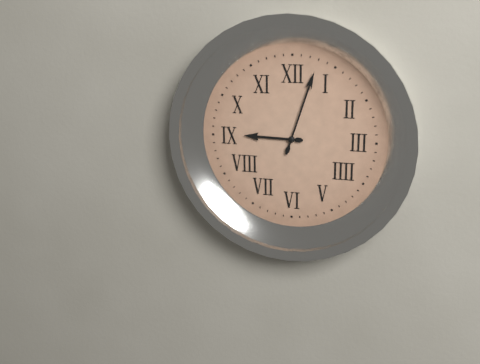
9:03
